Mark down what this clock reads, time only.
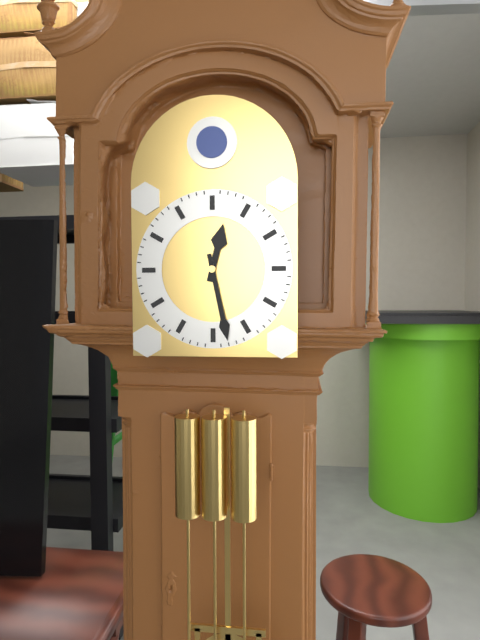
12:28
